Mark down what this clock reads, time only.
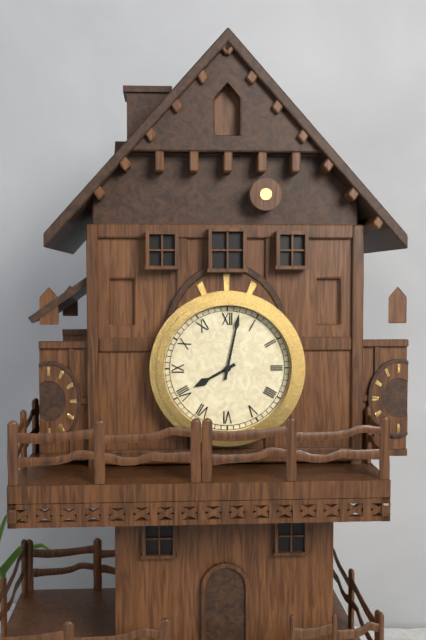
8:02
